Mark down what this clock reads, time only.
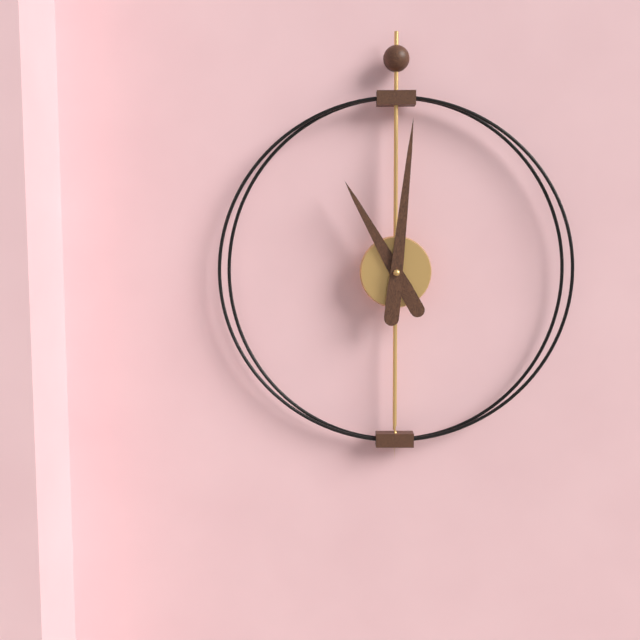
11:01
